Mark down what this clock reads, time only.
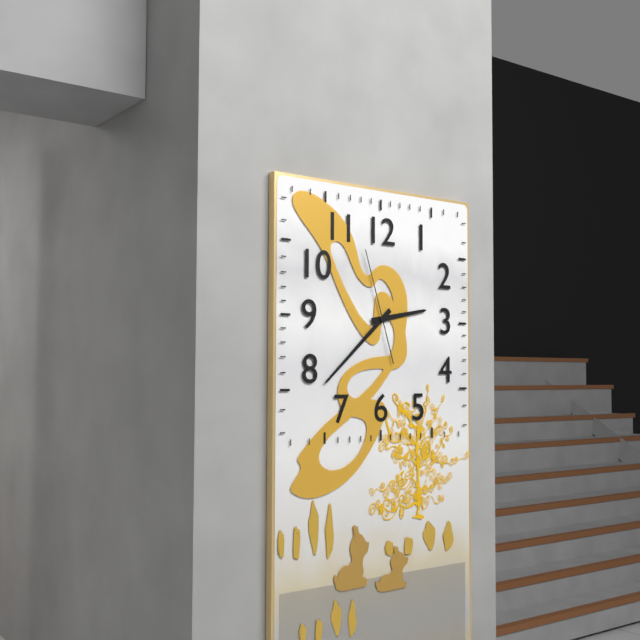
2:38:57
